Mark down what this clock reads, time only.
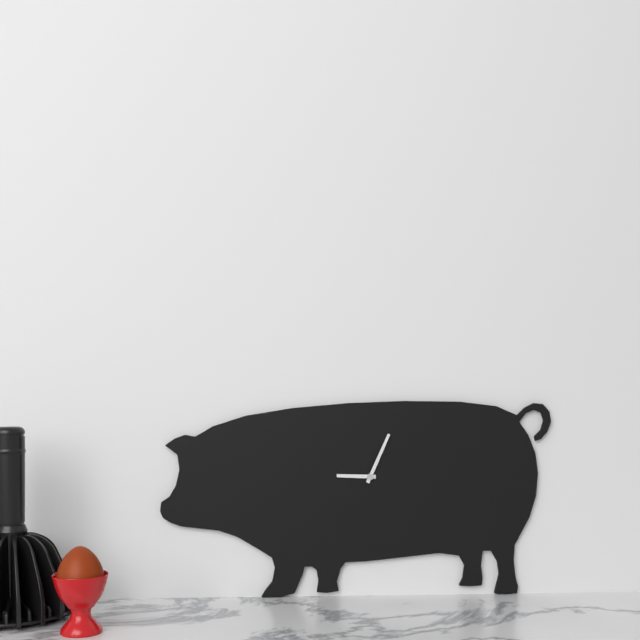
9:04
